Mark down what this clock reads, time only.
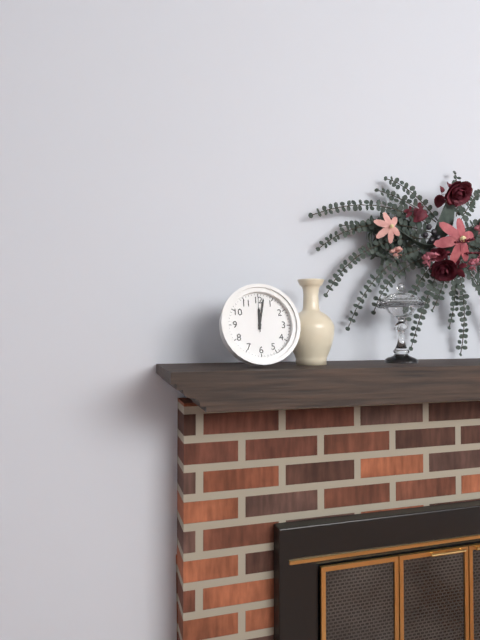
12:02
